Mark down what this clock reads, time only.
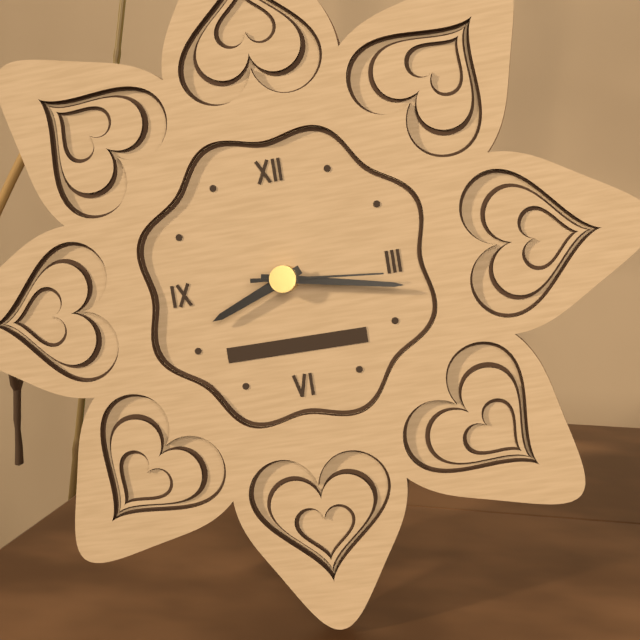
8:17:16
